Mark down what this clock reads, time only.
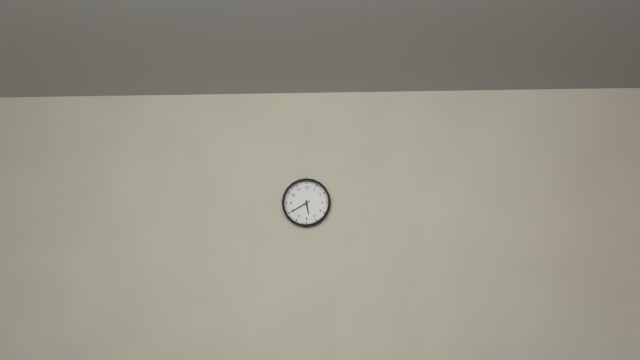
5:40
